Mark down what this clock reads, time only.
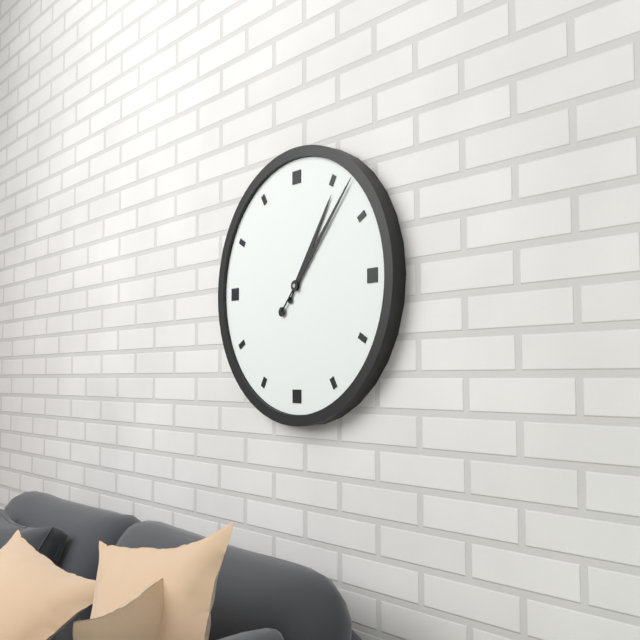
1:07
